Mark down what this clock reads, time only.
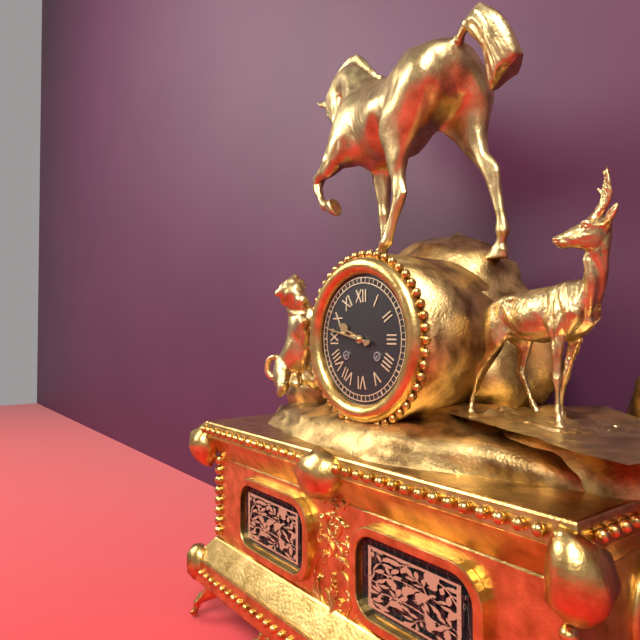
9:47
